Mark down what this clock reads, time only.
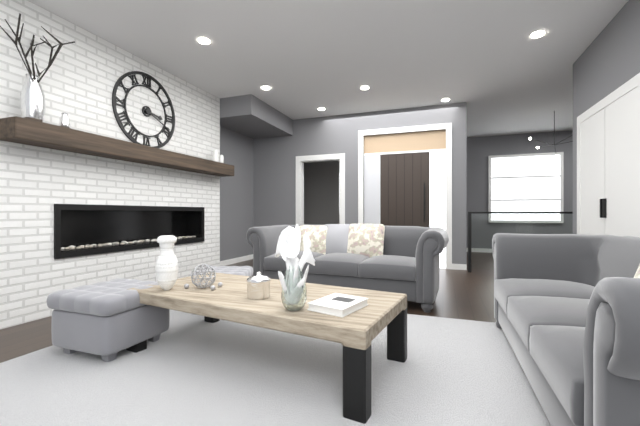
3:19
